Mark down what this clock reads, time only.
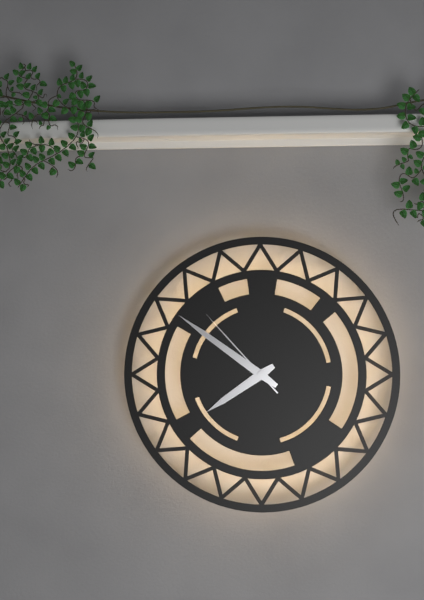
7:51:53
